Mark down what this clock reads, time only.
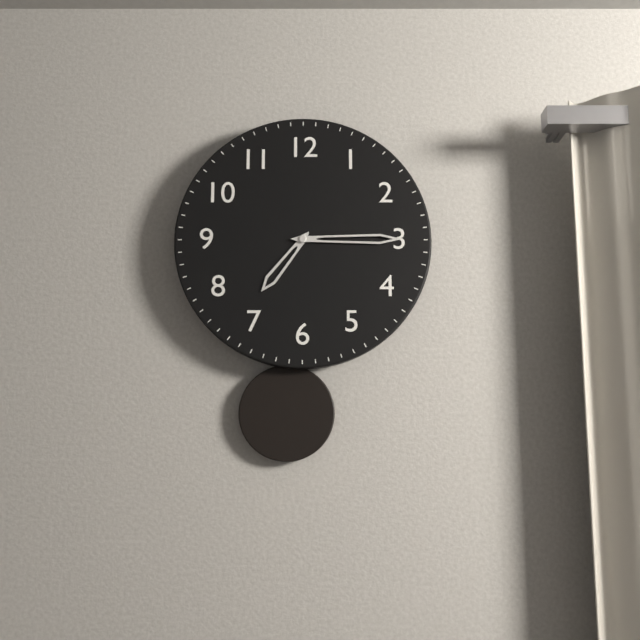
7:15
